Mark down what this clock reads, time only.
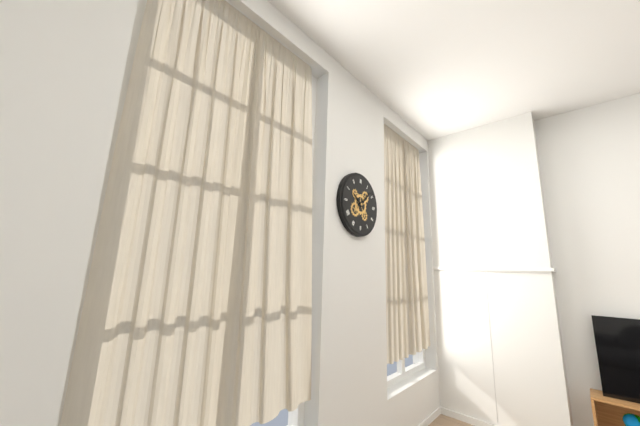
10:08
